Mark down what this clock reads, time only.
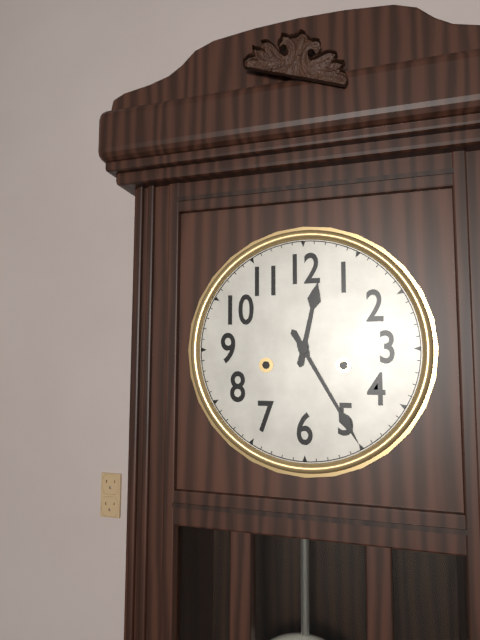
12:25
